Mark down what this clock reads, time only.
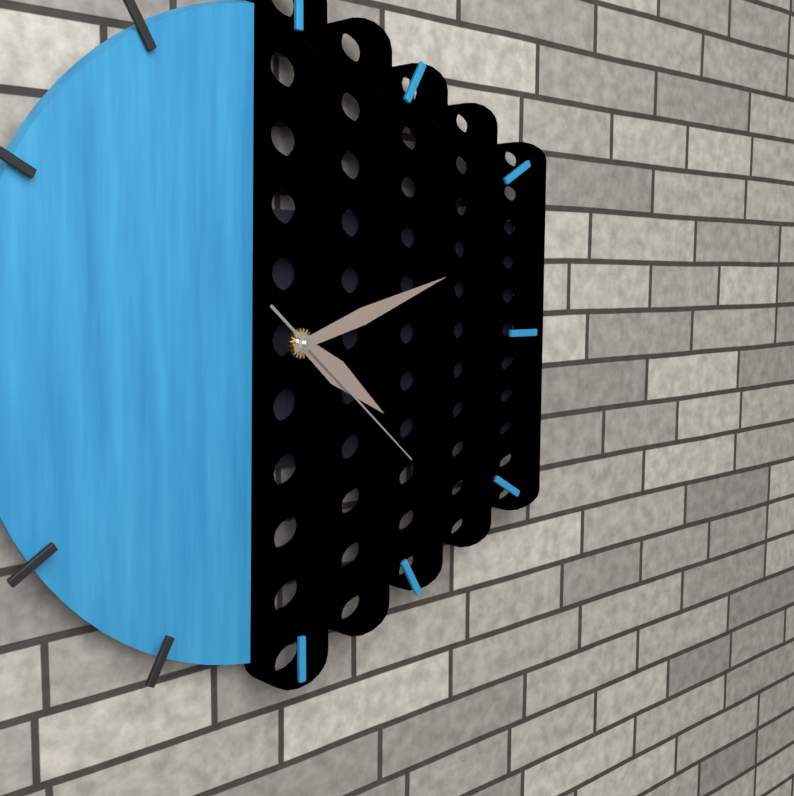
4:12:22
